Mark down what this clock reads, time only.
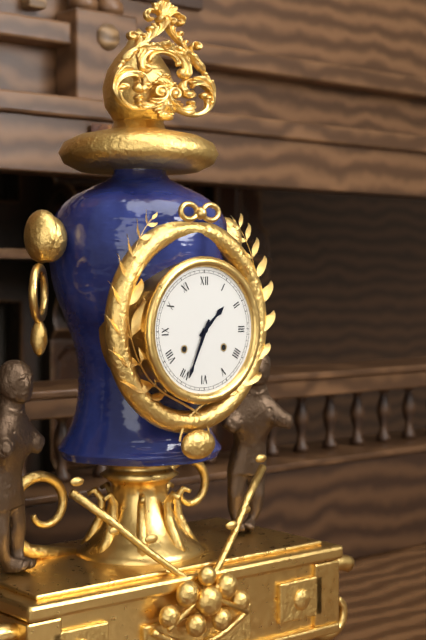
1:34
